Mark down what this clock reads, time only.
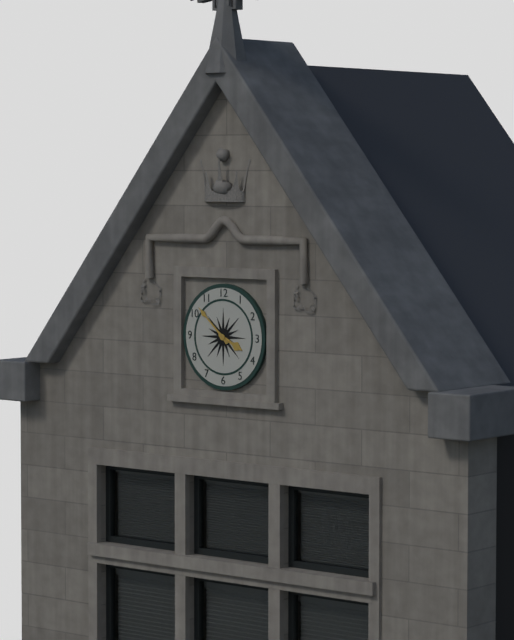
3:52
